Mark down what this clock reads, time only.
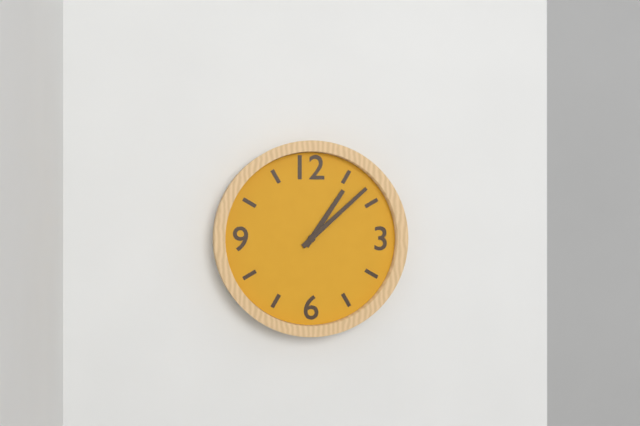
1:08
